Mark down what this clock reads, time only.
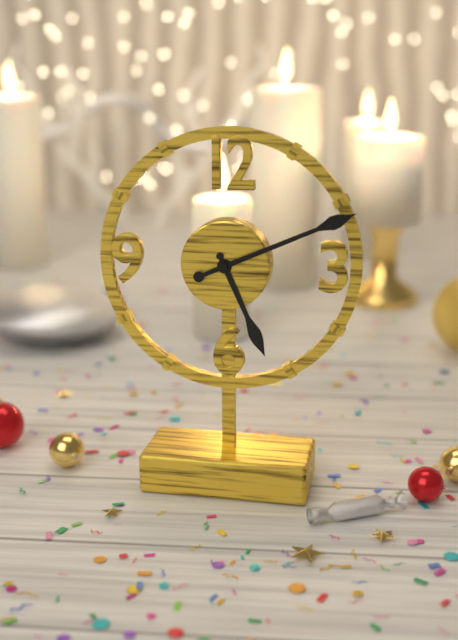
5:11
